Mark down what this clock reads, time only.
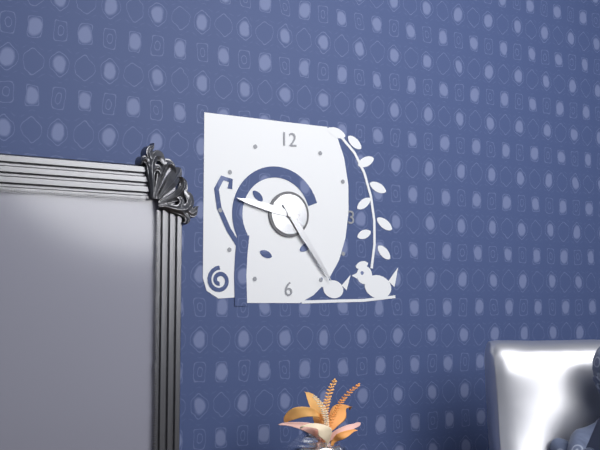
9:24
